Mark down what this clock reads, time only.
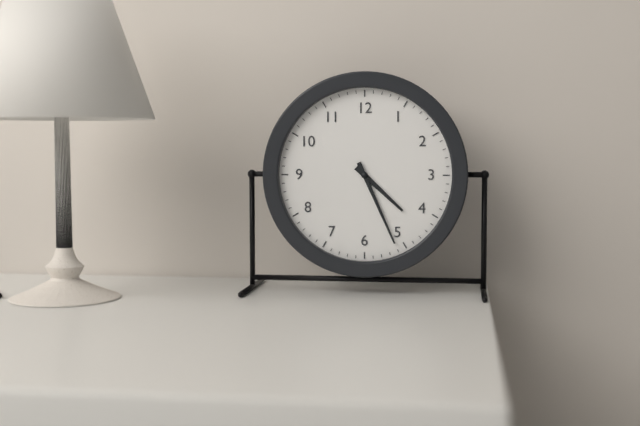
4:26
